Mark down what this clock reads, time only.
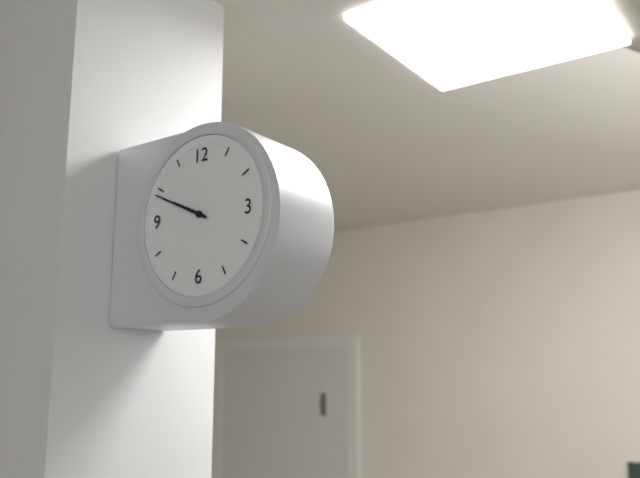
9:49
